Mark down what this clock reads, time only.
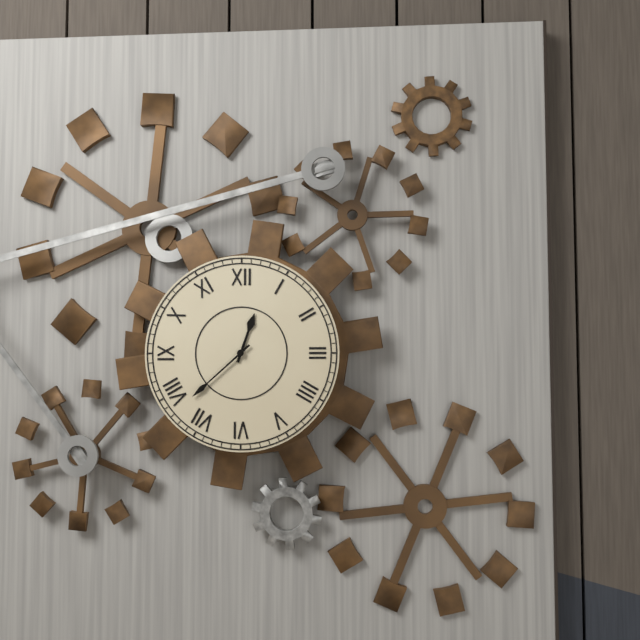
12:38
